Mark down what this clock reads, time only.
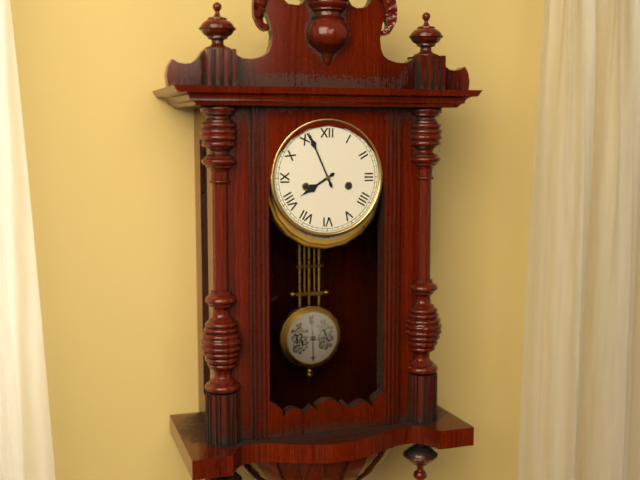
7:56
